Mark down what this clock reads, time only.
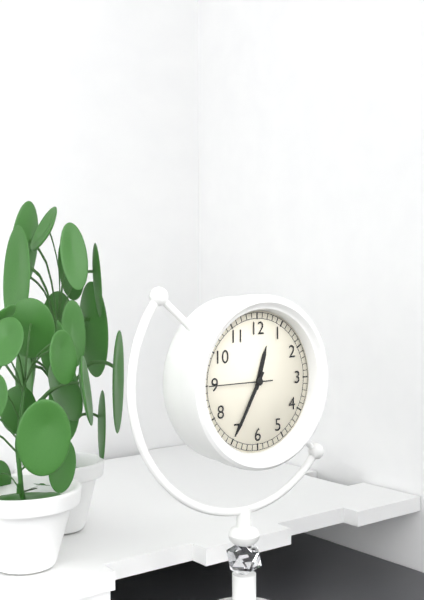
12:35:45
